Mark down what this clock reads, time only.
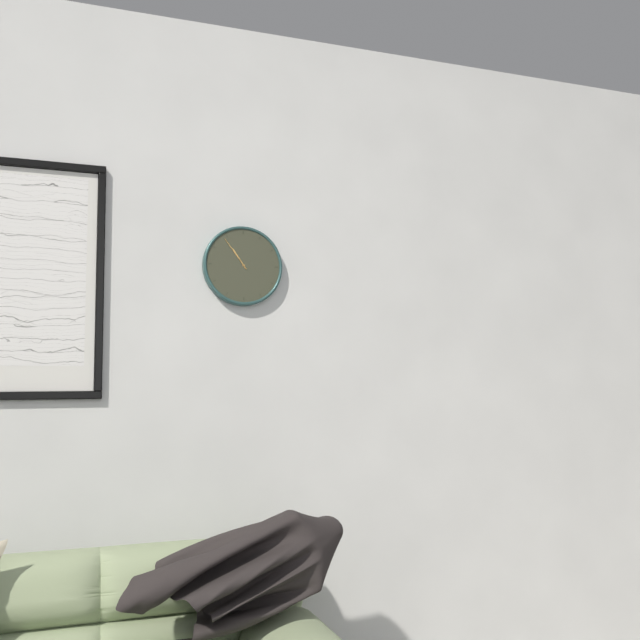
10:54
